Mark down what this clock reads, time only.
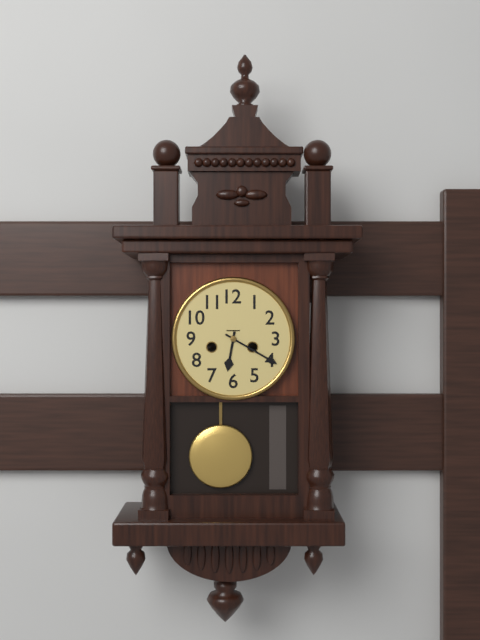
6:20
